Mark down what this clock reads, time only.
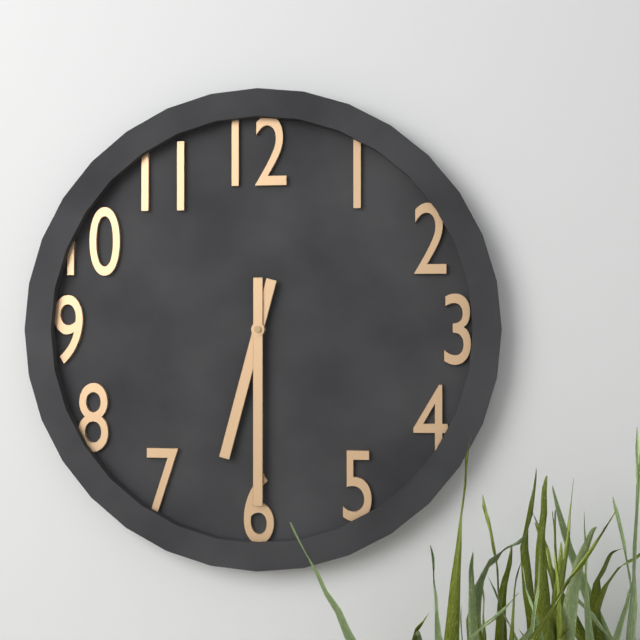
6:30
